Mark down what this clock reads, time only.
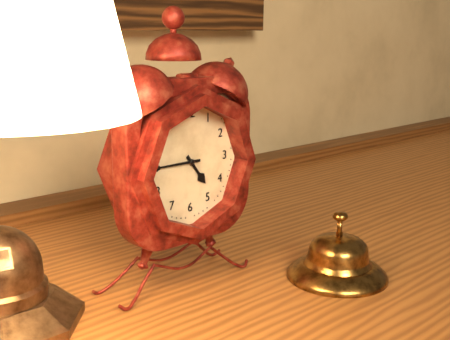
4:45
